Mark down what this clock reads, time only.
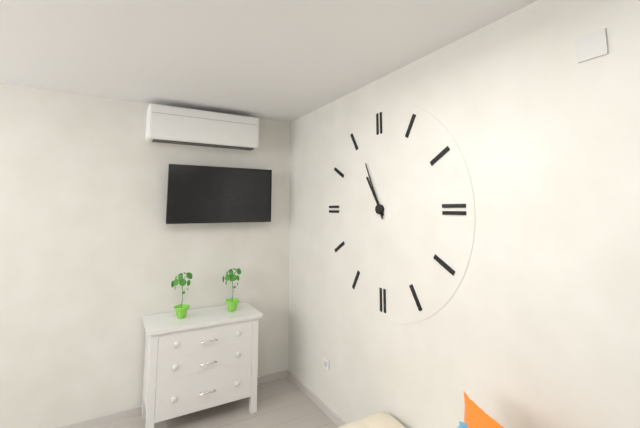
10:56
